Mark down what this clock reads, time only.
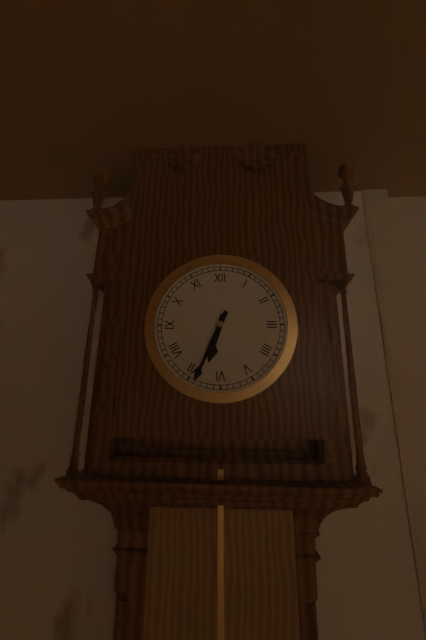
6:34
